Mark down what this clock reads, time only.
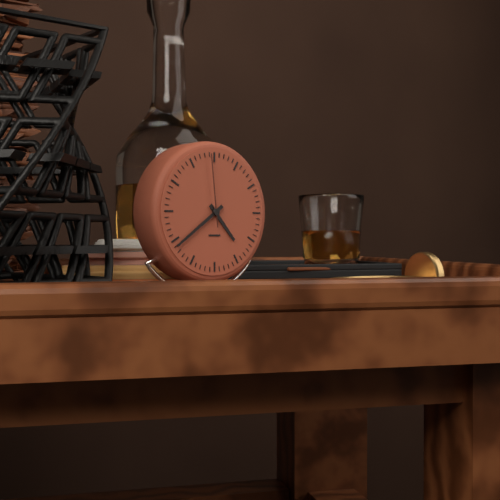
4:39:59
